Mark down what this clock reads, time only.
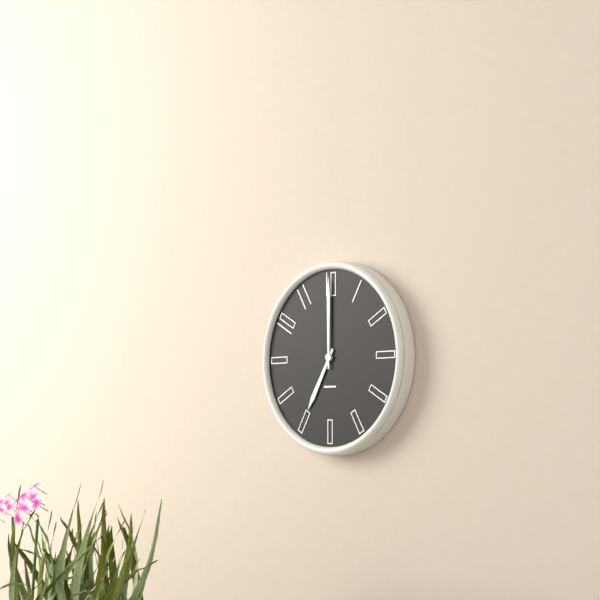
7:00
